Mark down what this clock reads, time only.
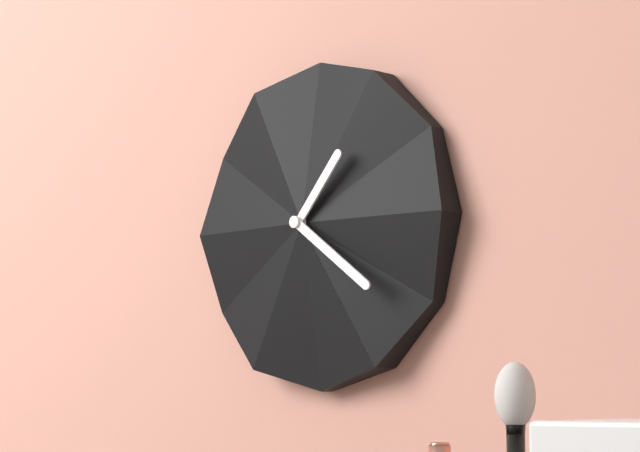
1:21
